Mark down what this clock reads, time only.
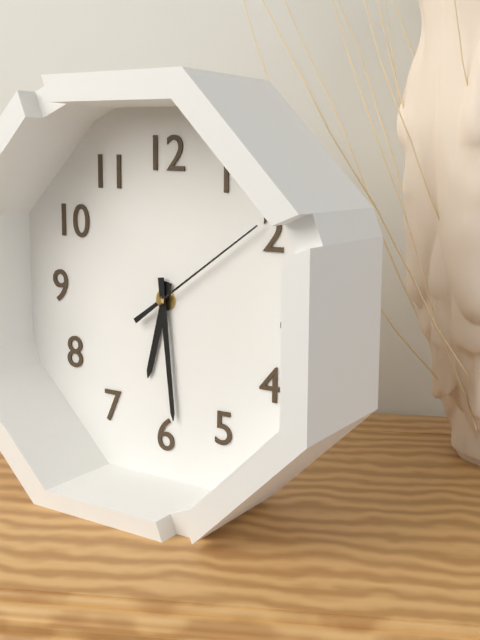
6:29:09
